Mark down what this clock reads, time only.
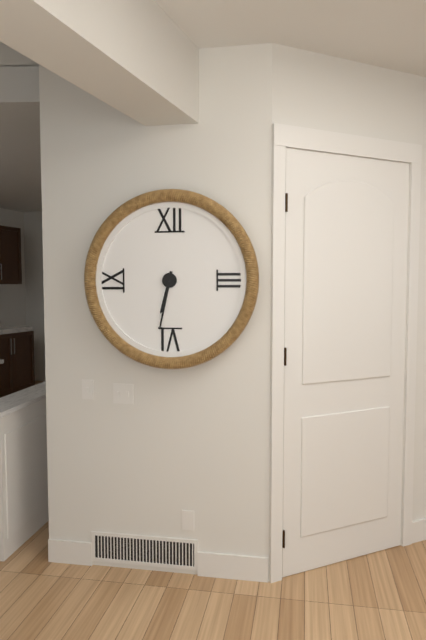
6:32
